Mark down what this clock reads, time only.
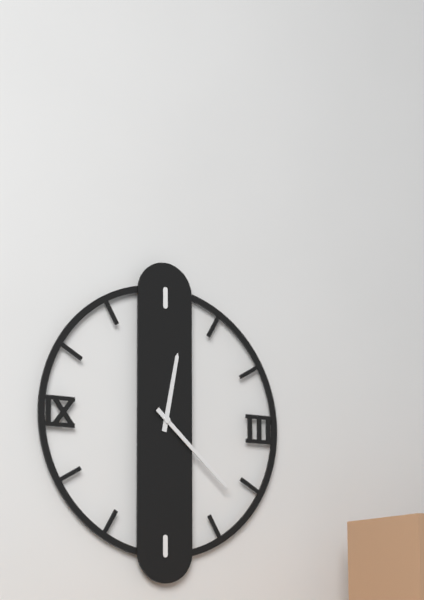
12:22
